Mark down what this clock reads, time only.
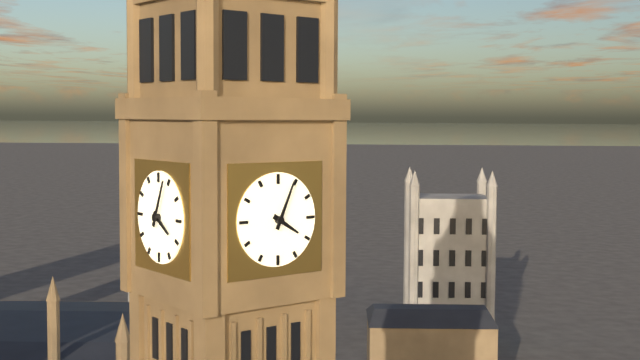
4:04
